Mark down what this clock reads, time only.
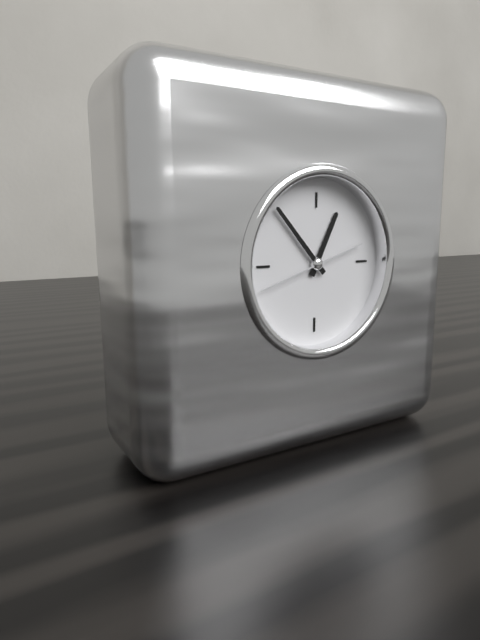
12:53:42
